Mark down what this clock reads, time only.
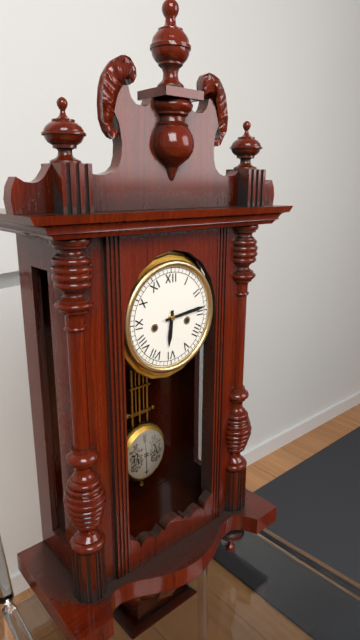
6:14
